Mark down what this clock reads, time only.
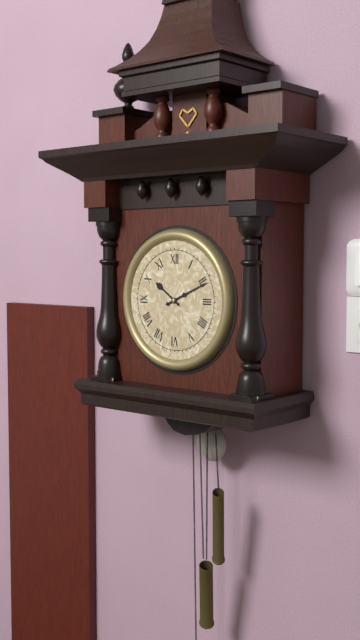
10:11
